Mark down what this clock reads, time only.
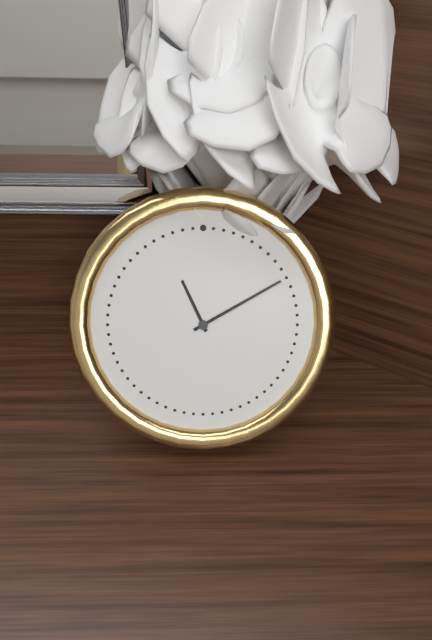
11:10
